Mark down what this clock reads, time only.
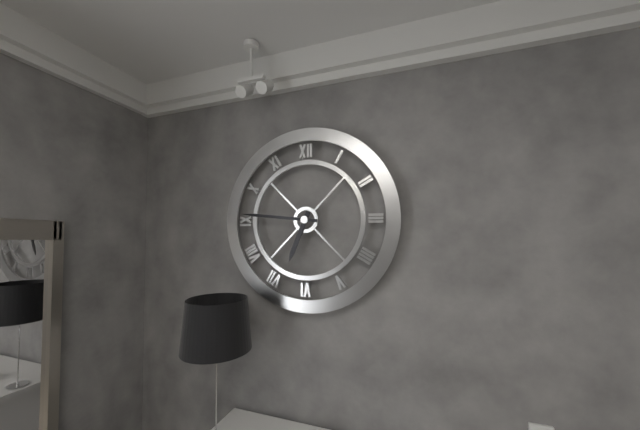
6:46
